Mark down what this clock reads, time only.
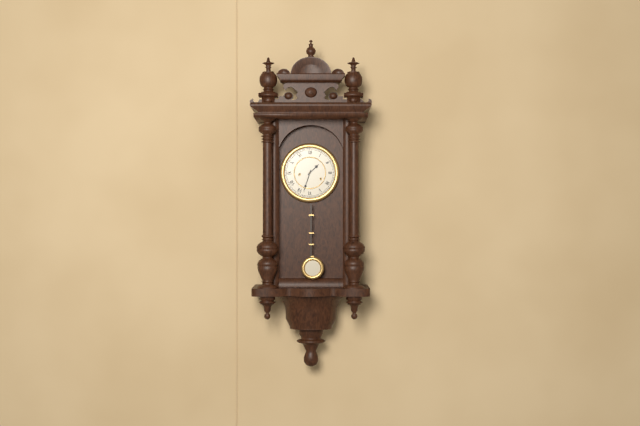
1:33
